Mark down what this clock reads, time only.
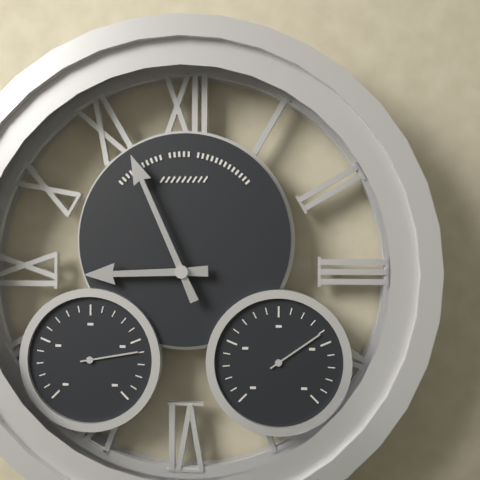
8:56
